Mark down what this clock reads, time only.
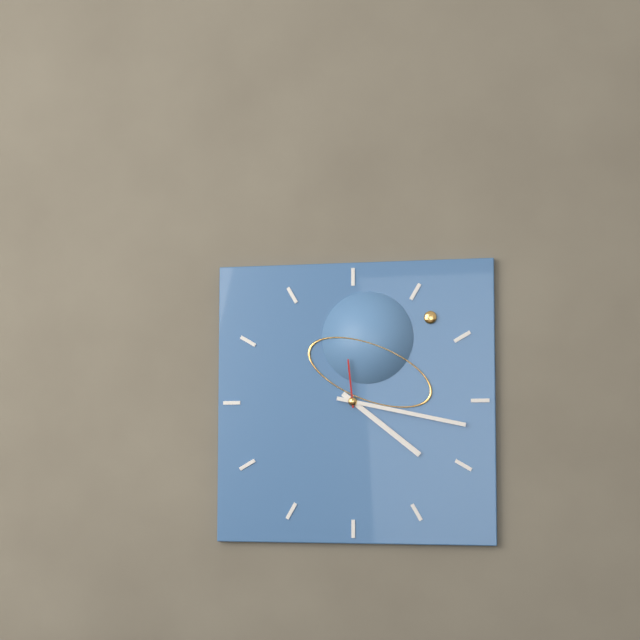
4:17:59
